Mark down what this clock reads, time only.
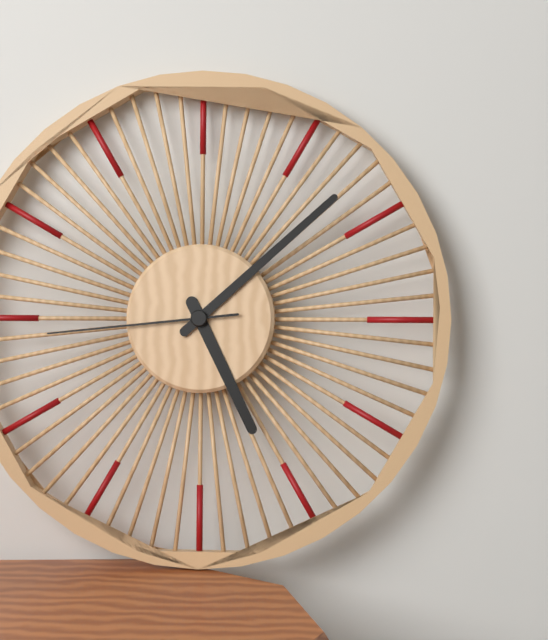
5:08:44
